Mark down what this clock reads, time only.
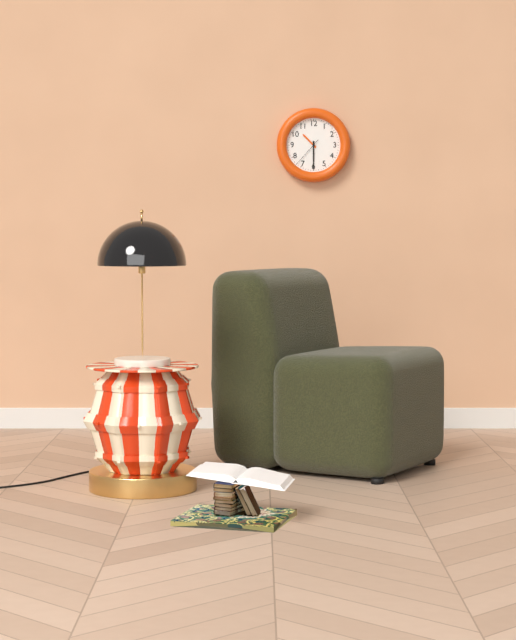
10:30
